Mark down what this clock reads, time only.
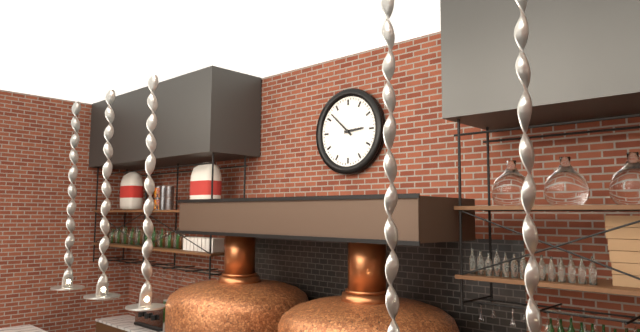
2:52
